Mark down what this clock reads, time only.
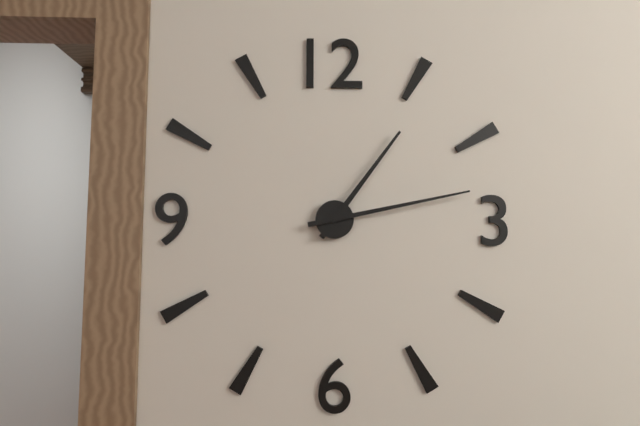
1:13
